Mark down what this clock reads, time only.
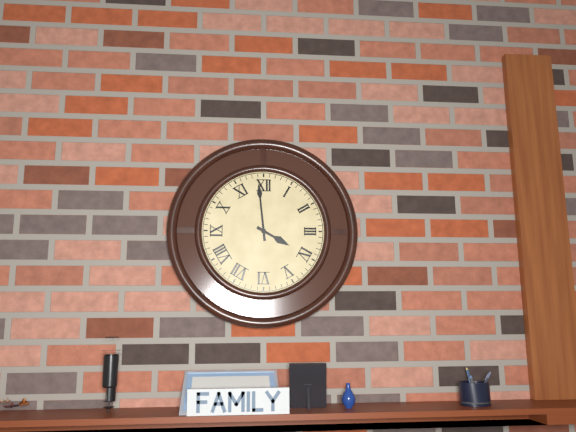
3:59
